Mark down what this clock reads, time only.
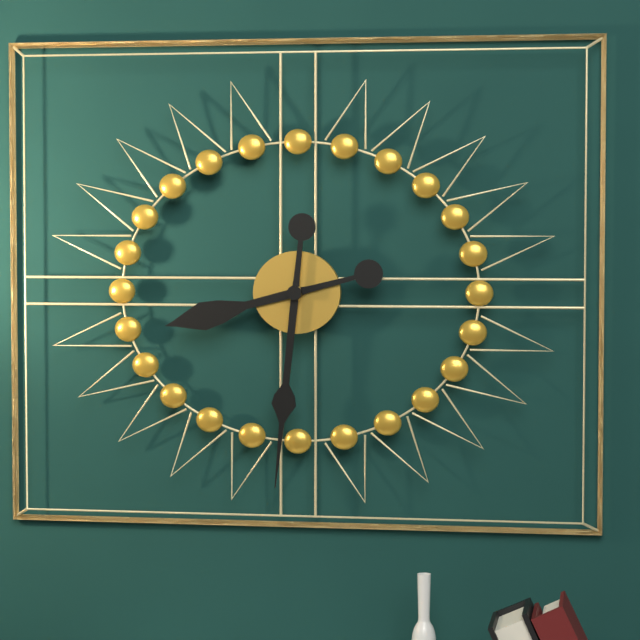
8:31
